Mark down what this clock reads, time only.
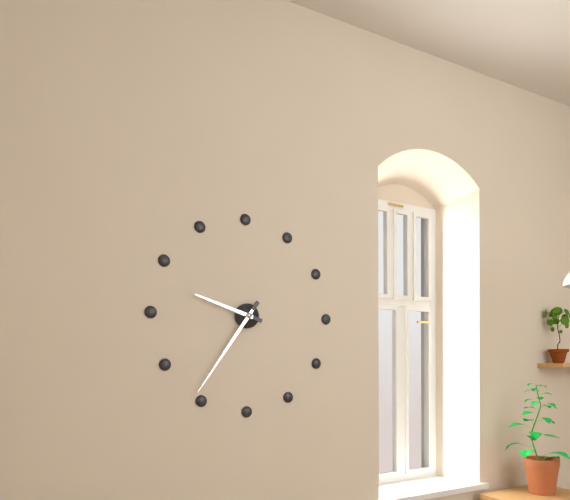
9:36
